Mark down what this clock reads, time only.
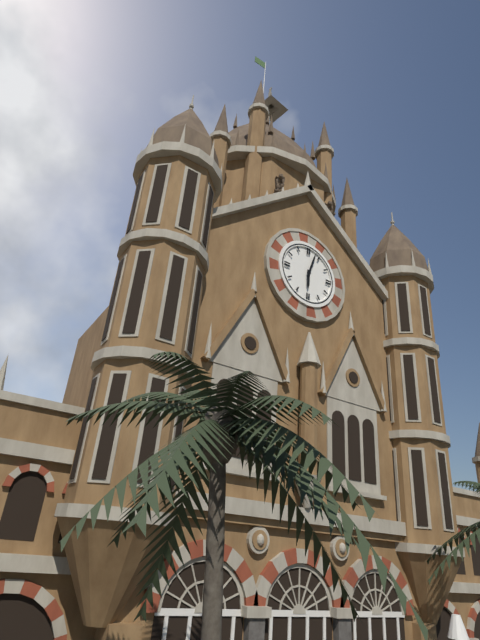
6:03
